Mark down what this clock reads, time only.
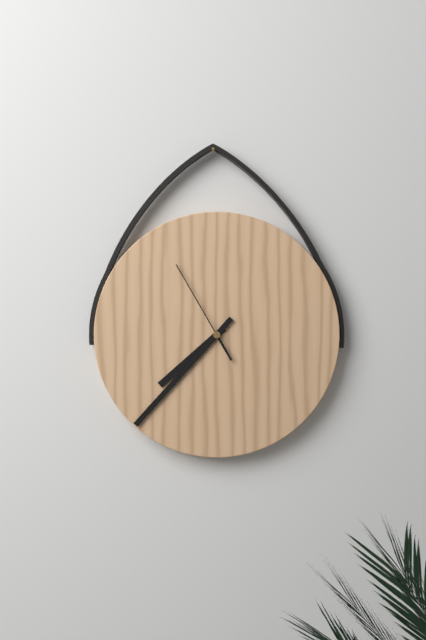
7:37:55
